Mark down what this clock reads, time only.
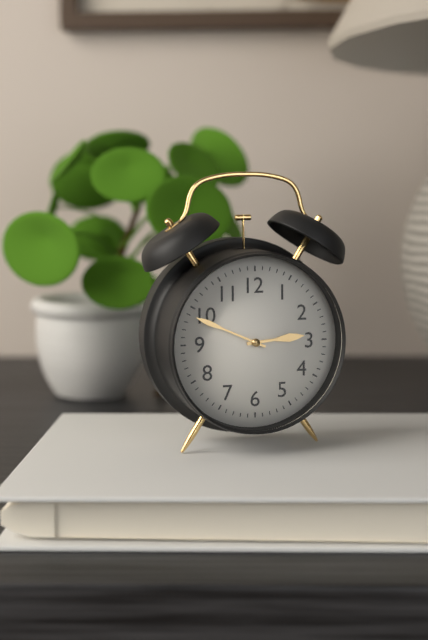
2:49
